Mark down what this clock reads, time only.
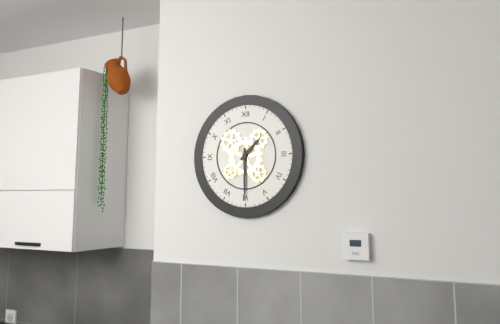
1:30
